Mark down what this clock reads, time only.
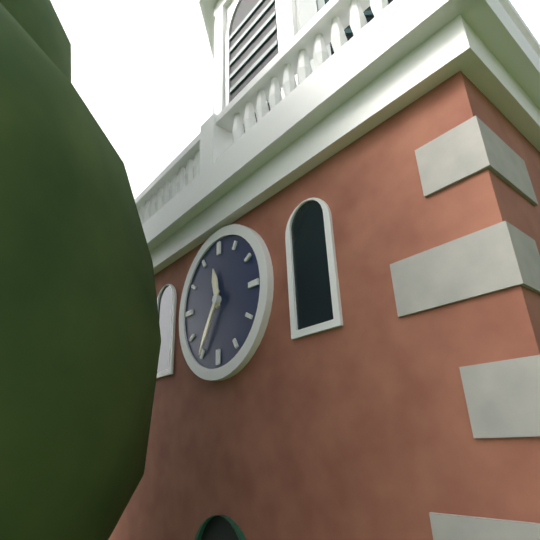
11:35
